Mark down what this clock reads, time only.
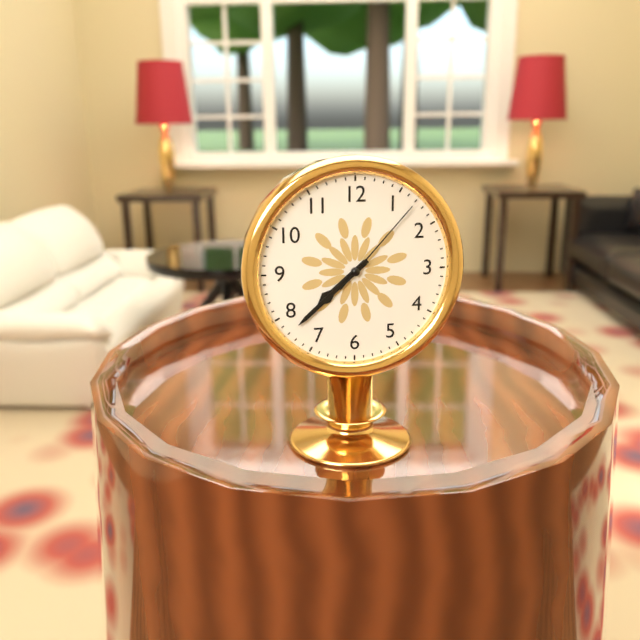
7:38:07
